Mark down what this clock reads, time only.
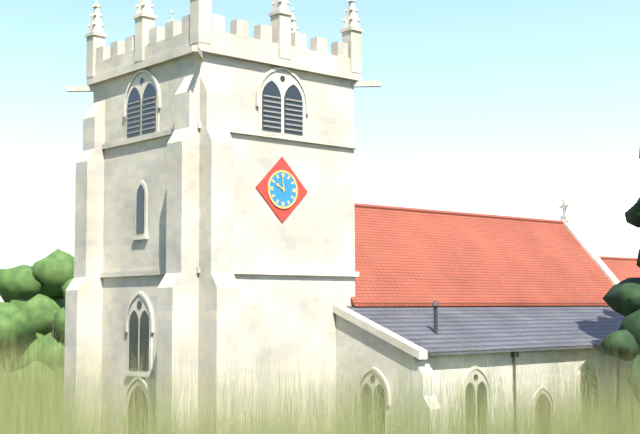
9:59
